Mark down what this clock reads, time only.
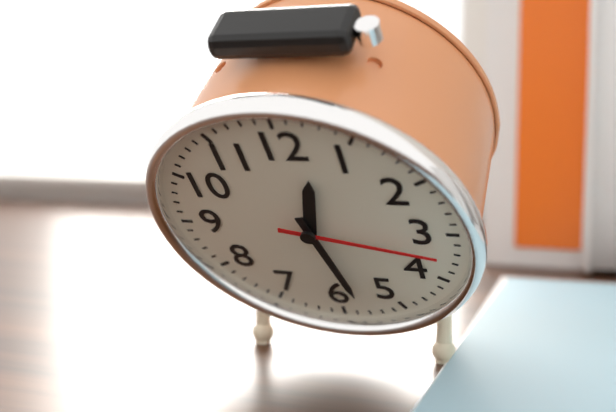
12:28:17
